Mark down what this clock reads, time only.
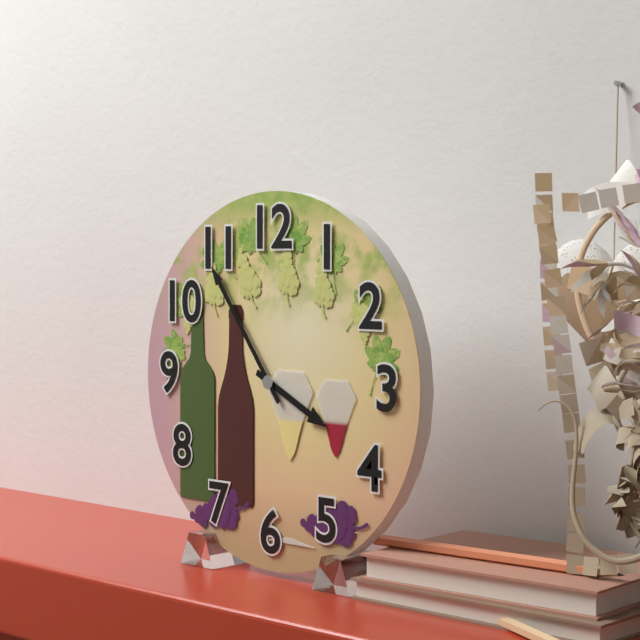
3:54
